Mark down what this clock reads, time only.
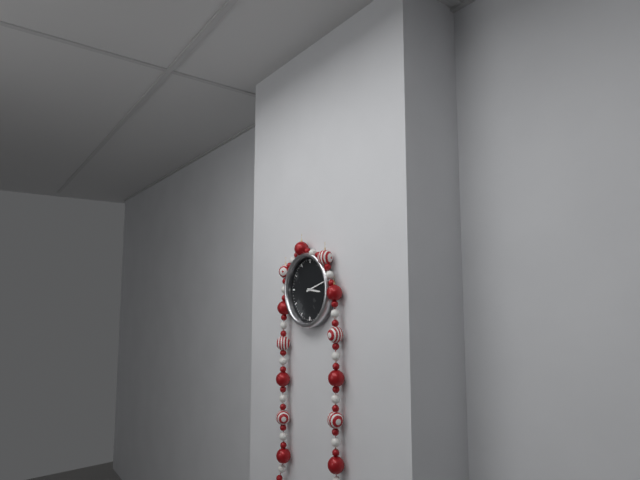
3:12
